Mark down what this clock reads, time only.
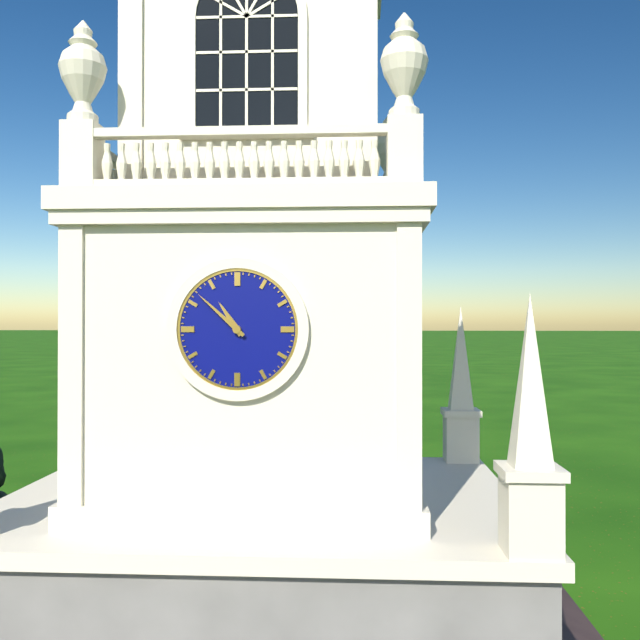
10:52
